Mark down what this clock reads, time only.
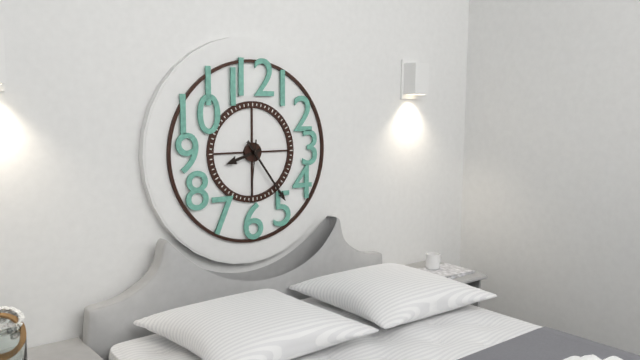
8:24:31
